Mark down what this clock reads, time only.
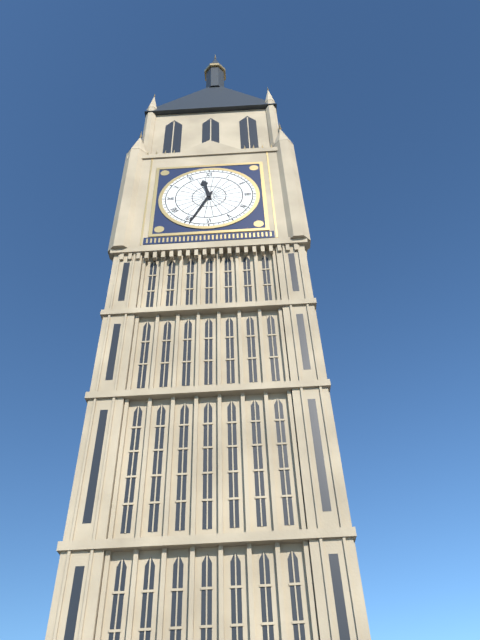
11:34
